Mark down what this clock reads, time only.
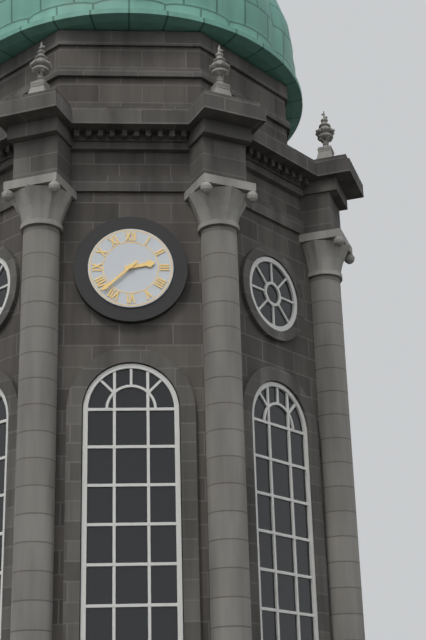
2:38
